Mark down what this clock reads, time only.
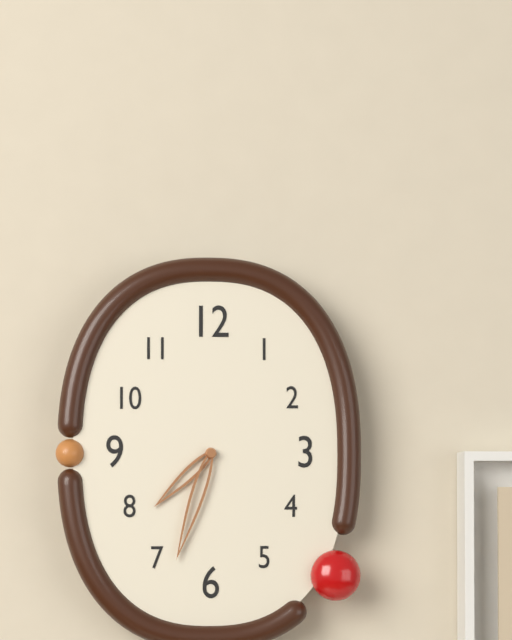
7:33
